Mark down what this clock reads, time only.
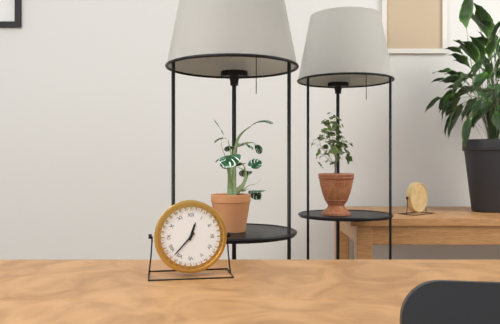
12:37
